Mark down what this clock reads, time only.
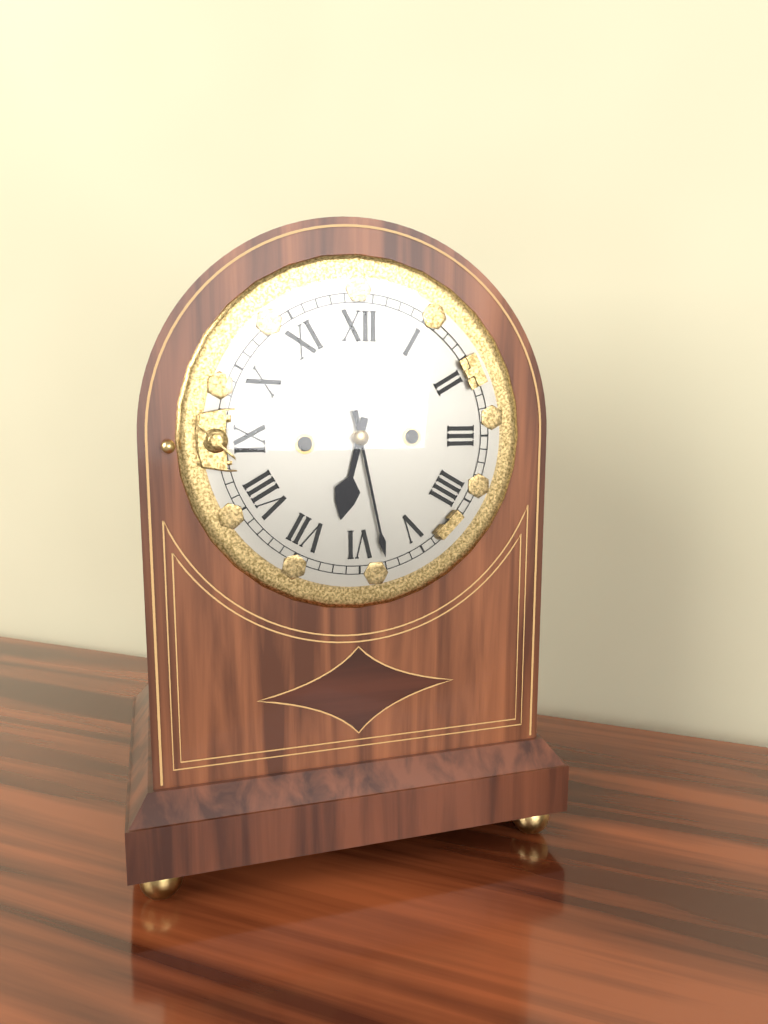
6:28
